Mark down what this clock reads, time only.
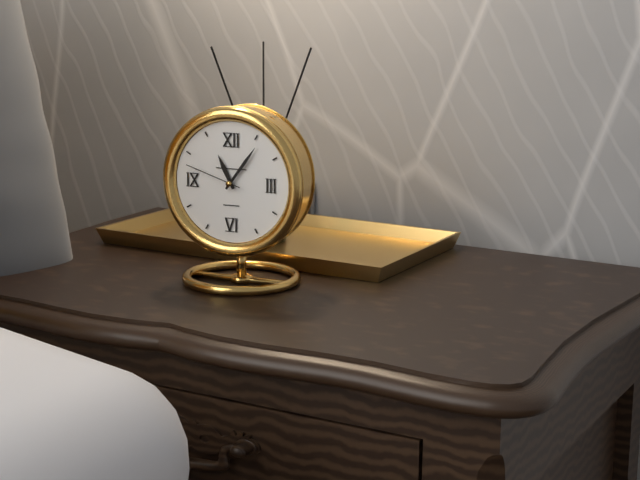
11:06:48
